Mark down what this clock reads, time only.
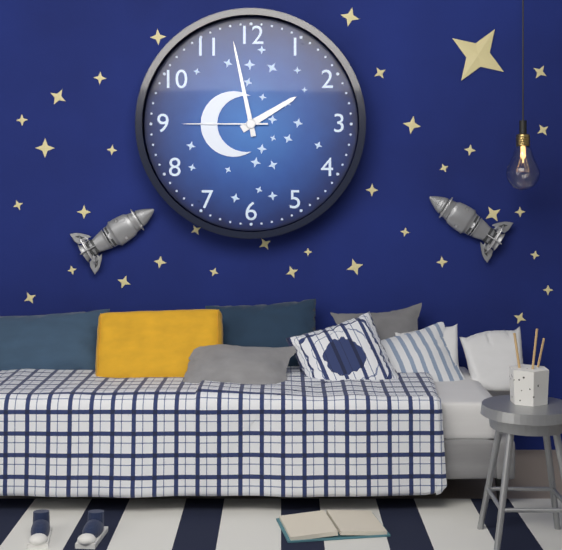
1:58:45
